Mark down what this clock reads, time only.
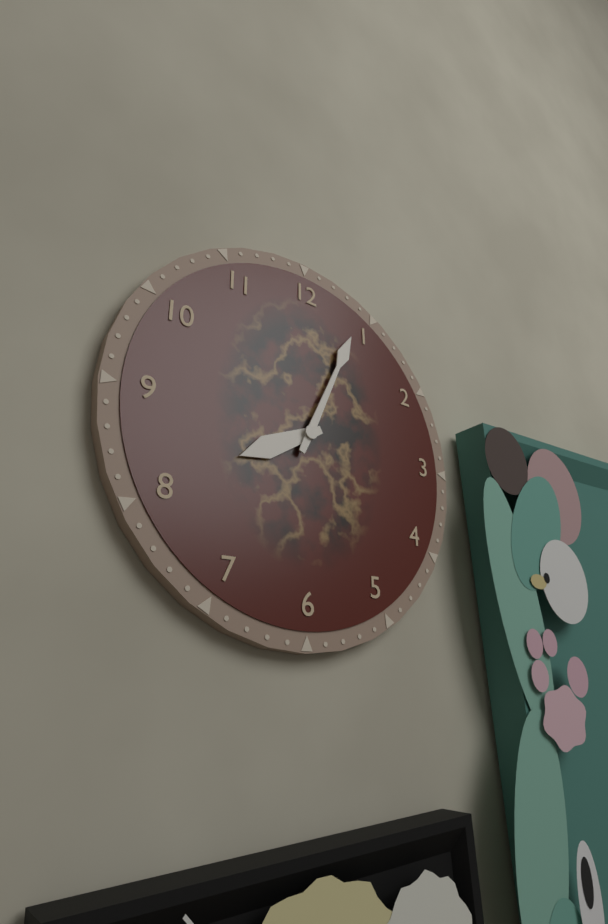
8:04
